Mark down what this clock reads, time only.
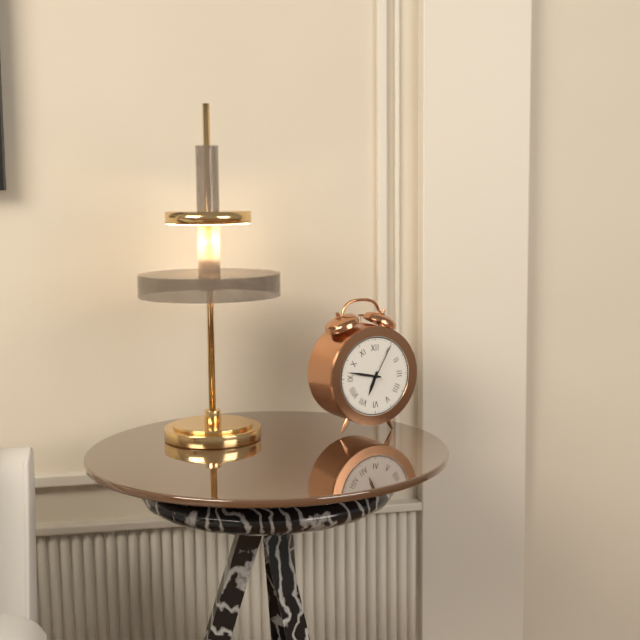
6:47
